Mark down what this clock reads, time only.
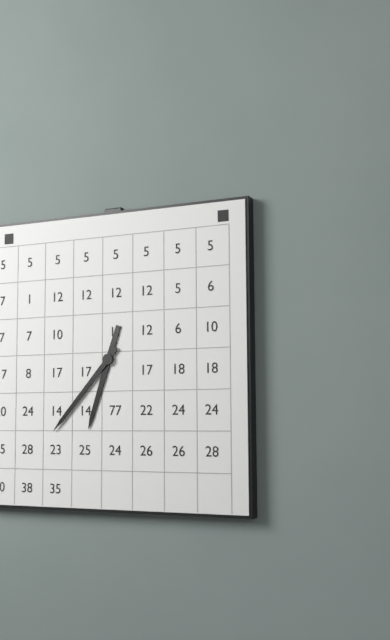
6:37
